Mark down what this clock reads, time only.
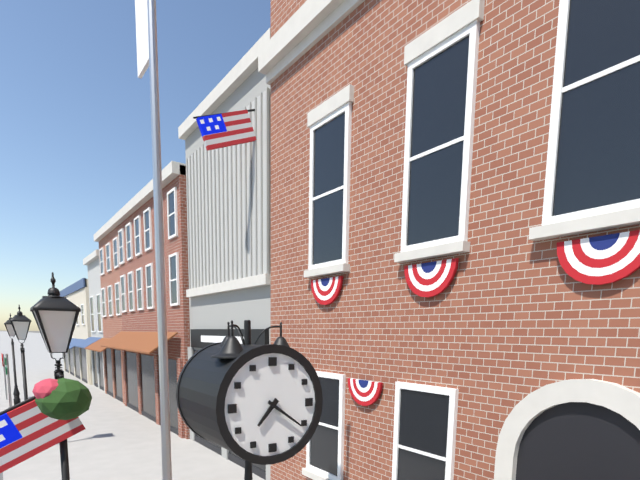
7:21
